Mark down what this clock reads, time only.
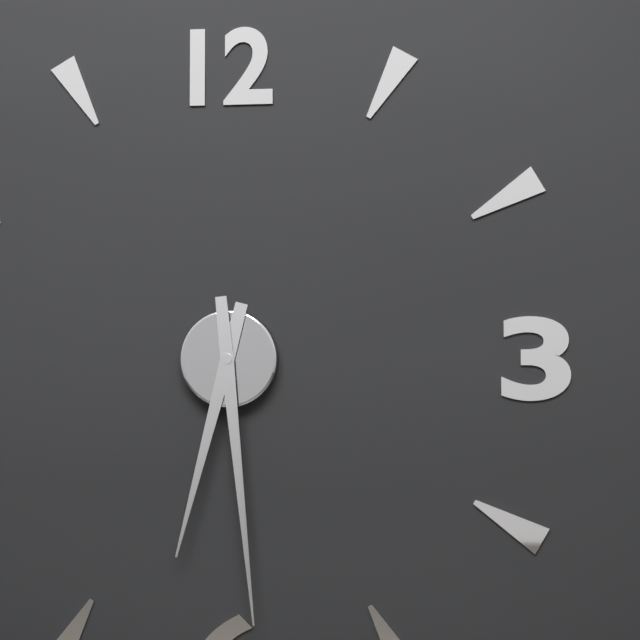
6:29
